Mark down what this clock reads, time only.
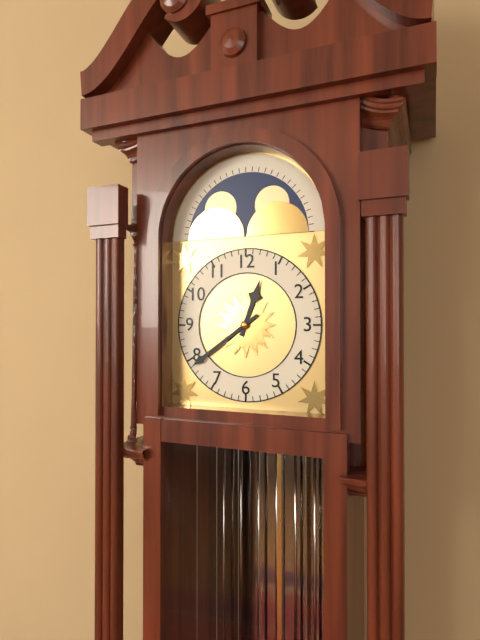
12:39
